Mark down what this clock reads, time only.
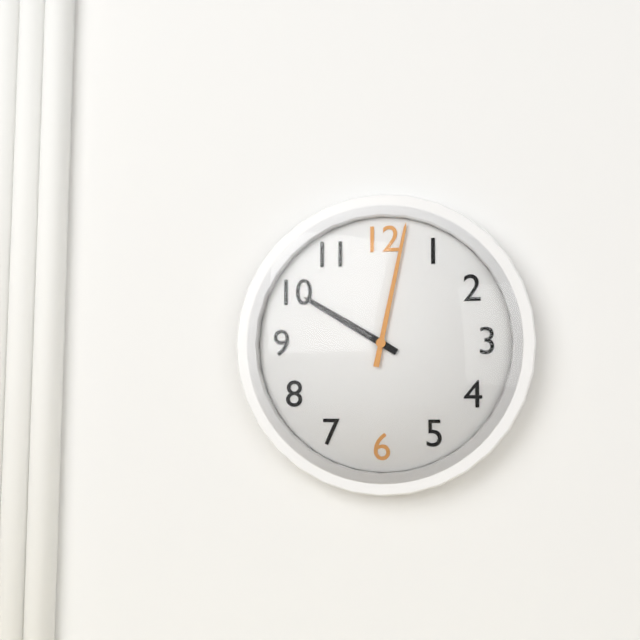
10:02
